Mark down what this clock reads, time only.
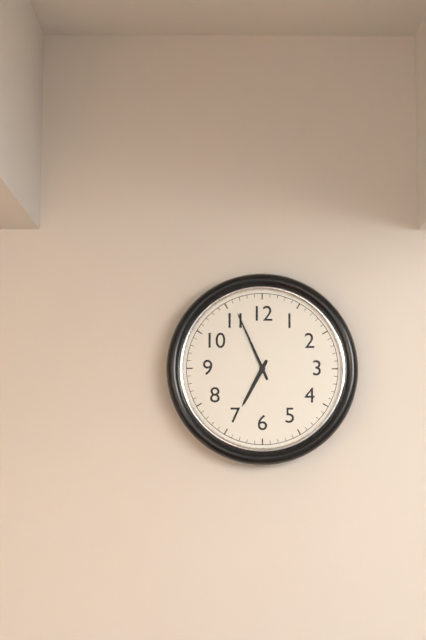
6:56
